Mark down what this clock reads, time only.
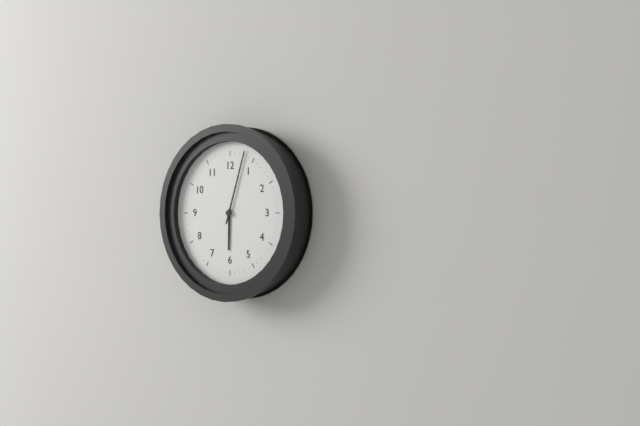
6:03
